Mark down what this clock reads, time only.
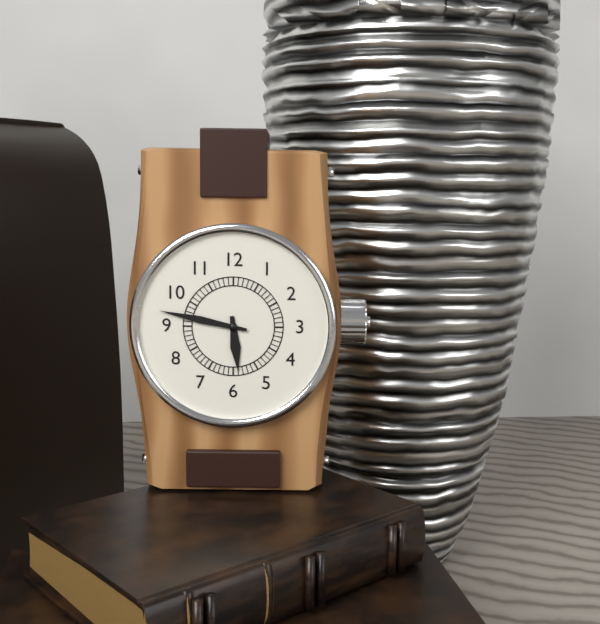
5:47
